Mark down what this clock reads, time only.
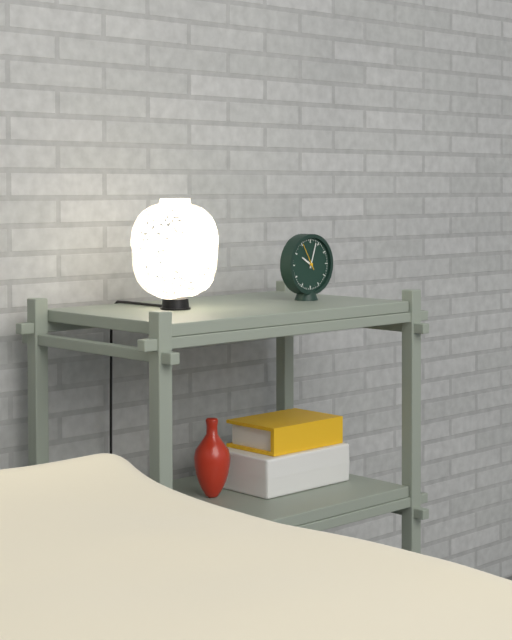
10:03
